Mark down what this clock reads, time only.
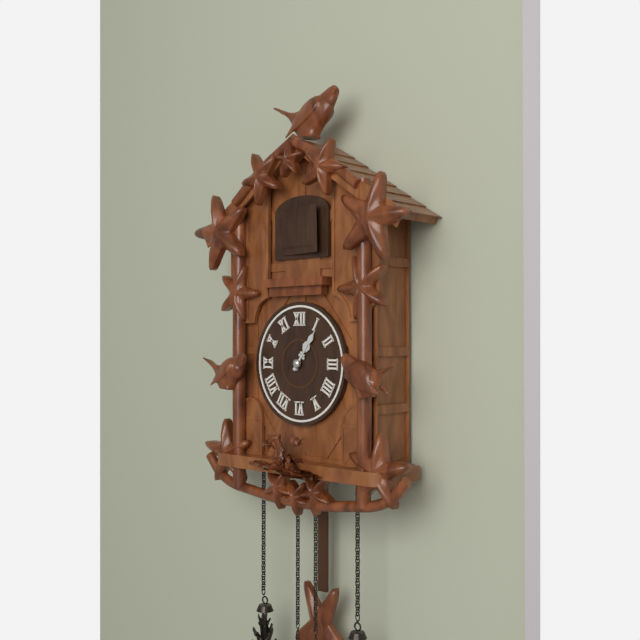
1:06
